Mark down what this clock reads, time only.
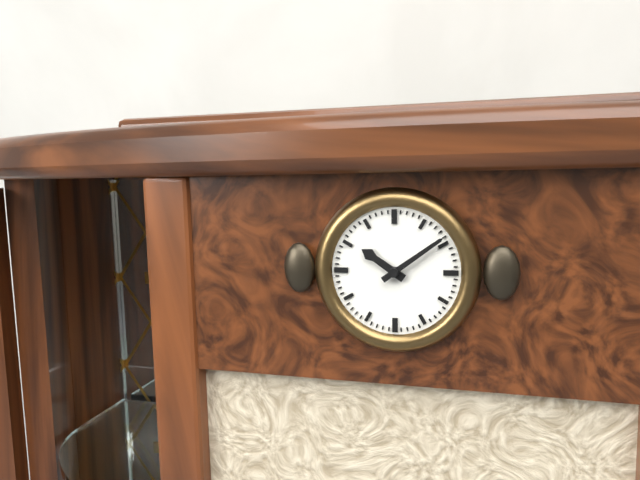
10:09
